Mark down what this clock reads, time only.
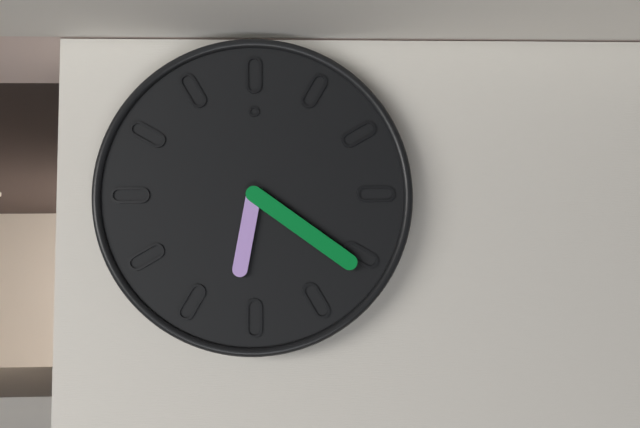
6:21
